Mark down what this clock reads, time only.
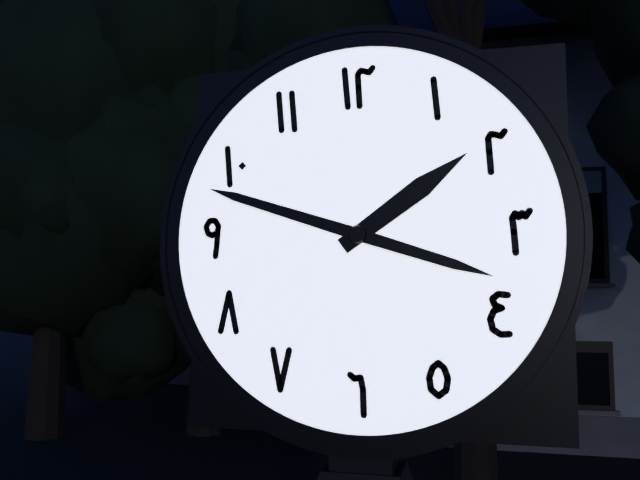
1:48
